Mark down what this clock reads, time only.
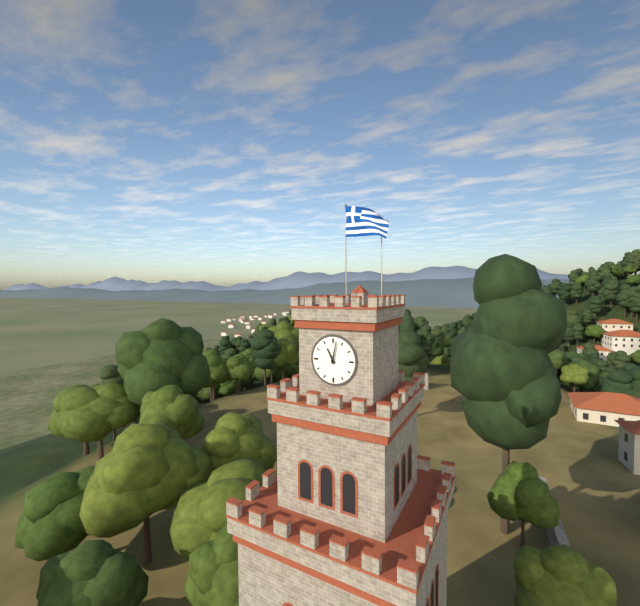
11:02
